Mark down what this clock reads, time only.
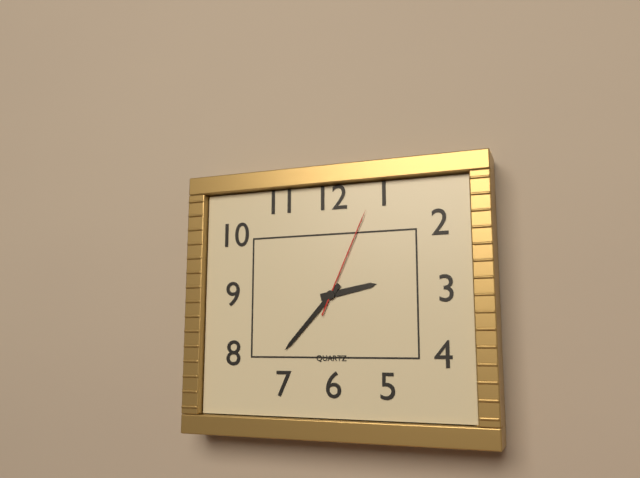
2:37:04
